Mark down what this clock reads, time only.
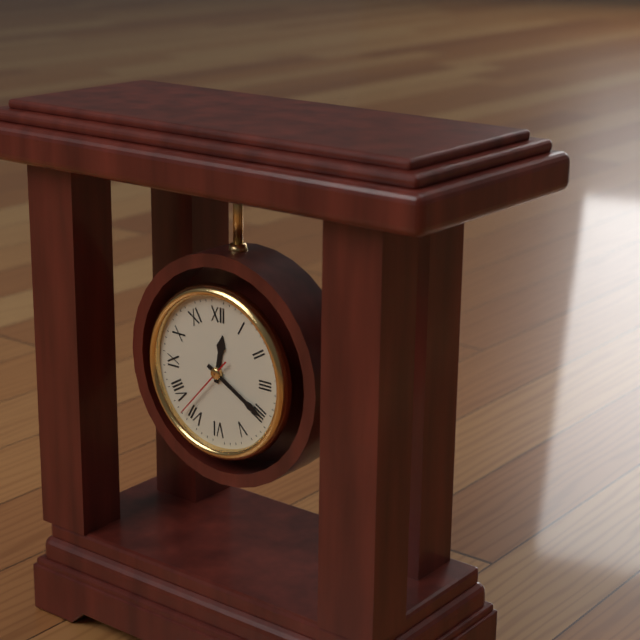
12:20:37
